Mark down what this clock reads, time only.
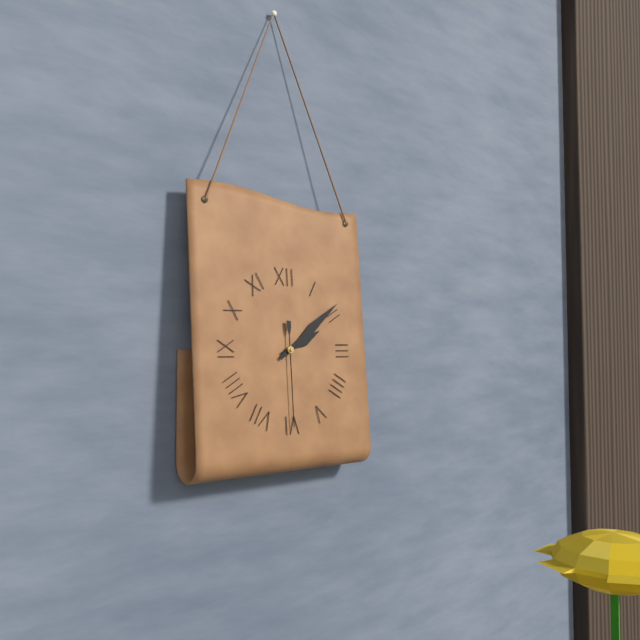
2:09:30
